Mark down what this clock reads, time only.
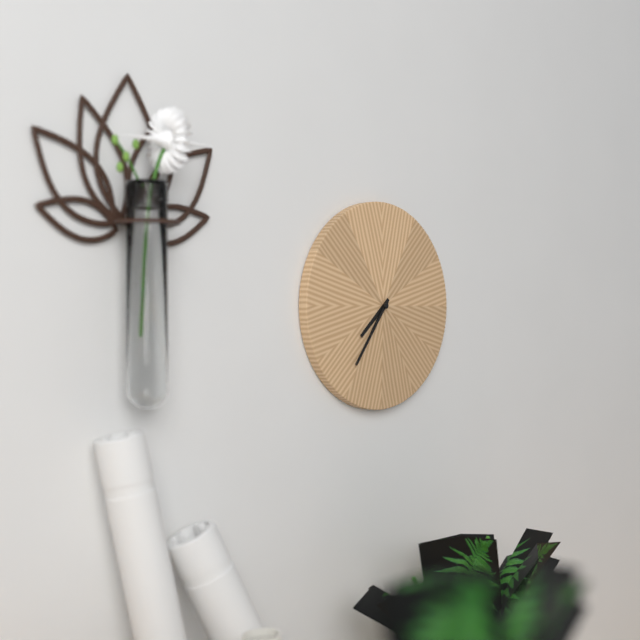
7:36
